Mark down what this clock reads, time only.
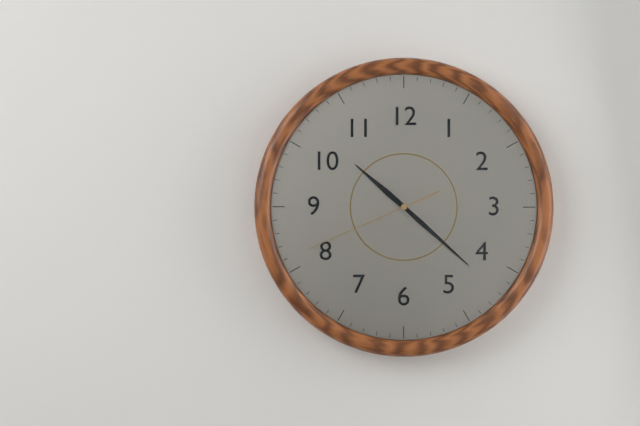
10:22:41
